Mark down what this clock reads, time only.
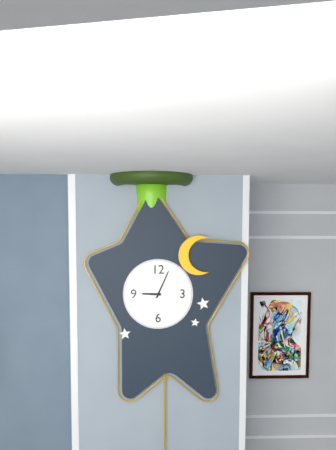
9:04
